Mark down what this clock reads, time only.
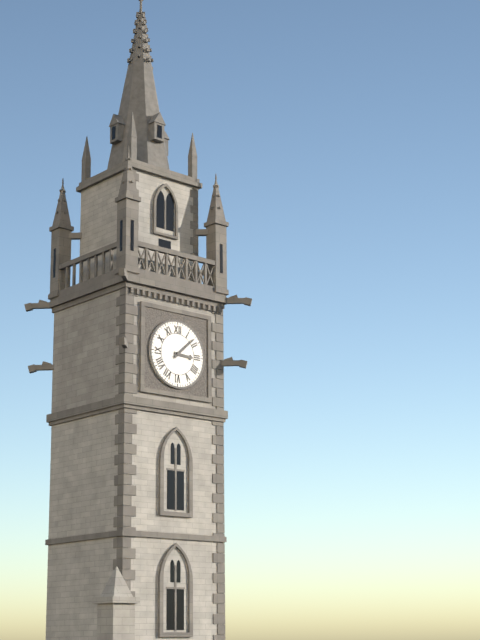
3:08
